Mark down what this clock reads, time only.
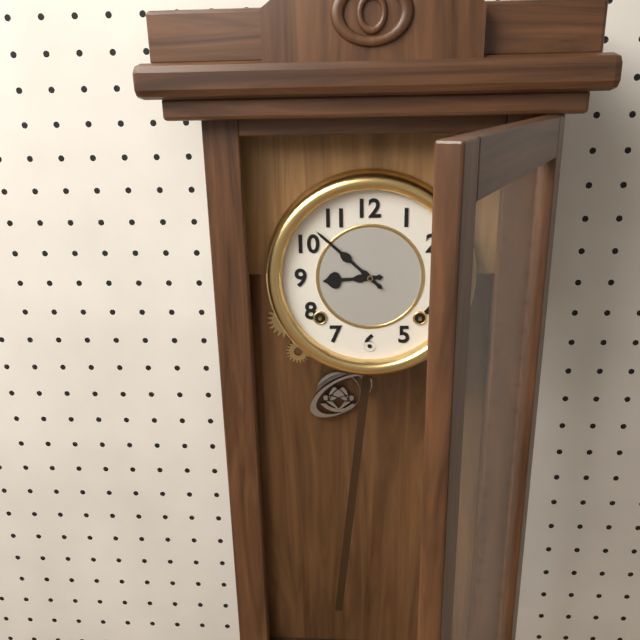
8:52
